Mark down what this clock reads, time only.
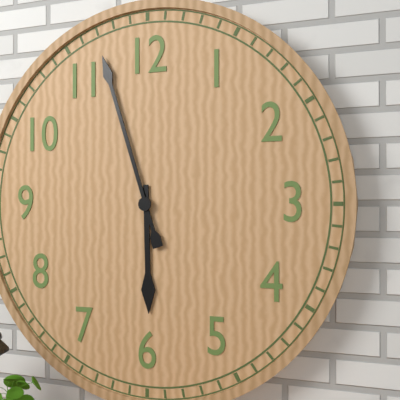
5:57
